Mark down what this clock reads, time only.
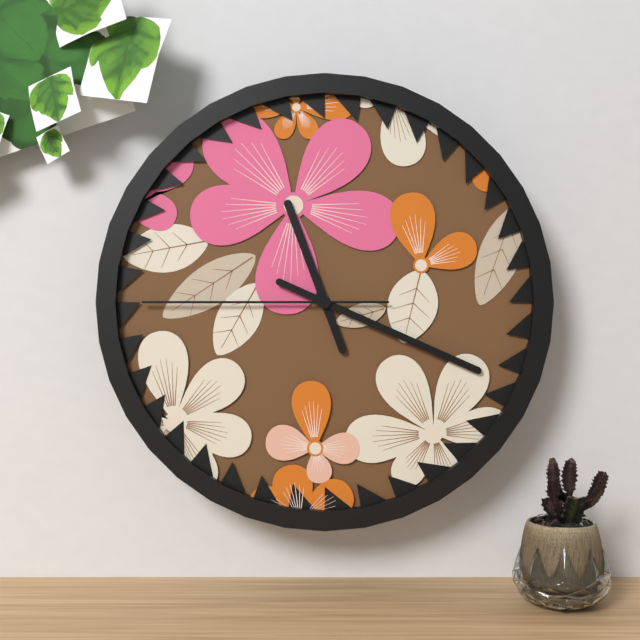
11:19:45
